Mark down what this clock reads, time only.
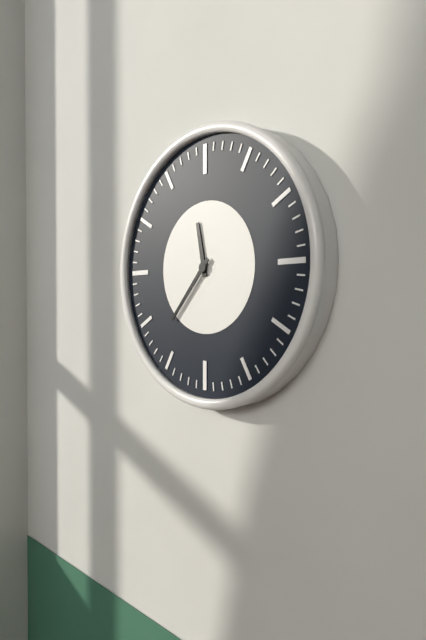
11:37
